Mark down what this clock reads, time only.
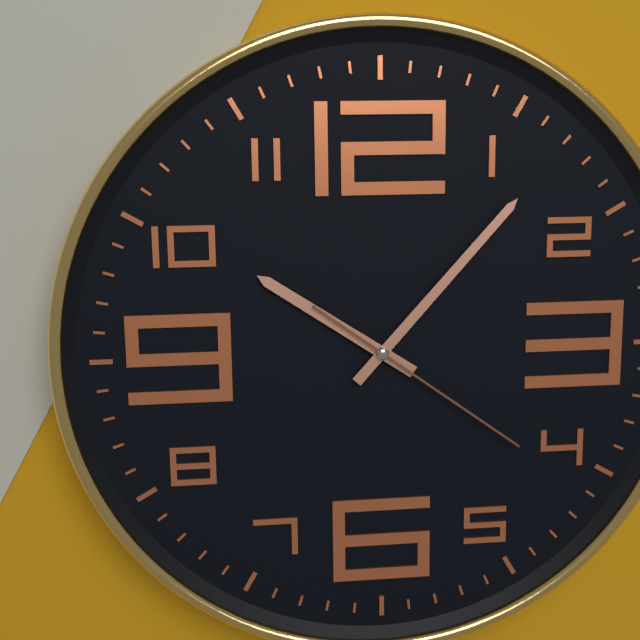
10:07:21
